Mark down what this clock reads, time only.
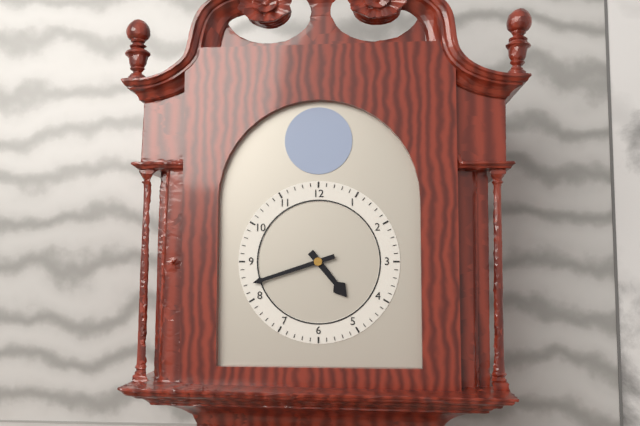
4:42
